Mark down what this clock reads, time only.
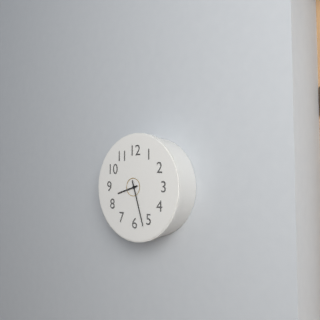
8:27
